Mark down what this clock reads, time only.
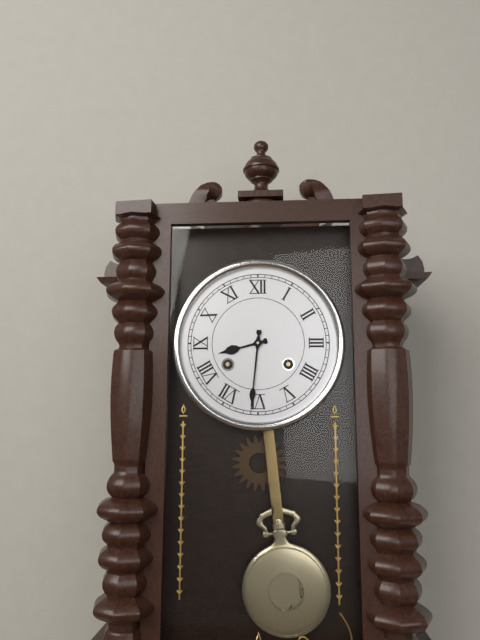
8:31
